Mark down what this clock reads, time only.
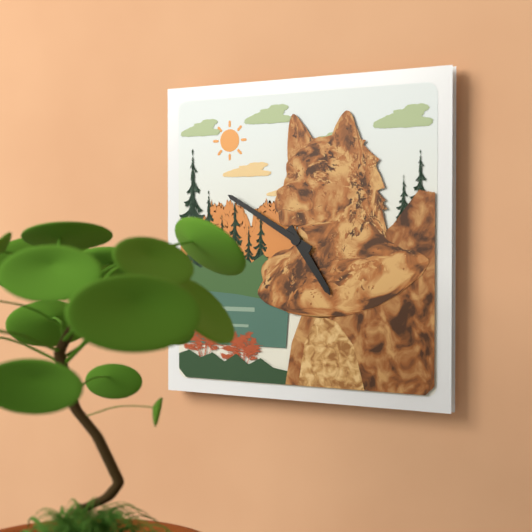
4:50
